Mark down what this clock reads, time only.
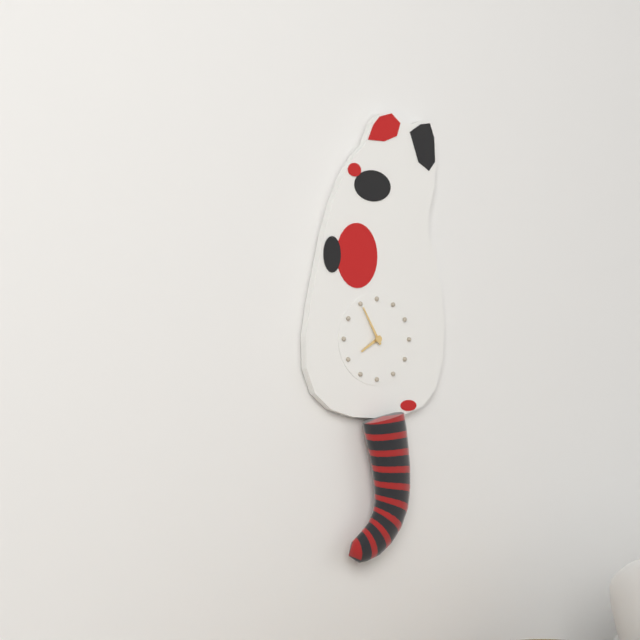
7:55
